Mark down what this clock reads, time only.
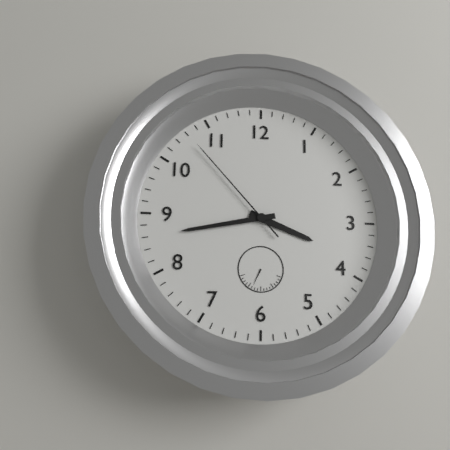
3:43:53
